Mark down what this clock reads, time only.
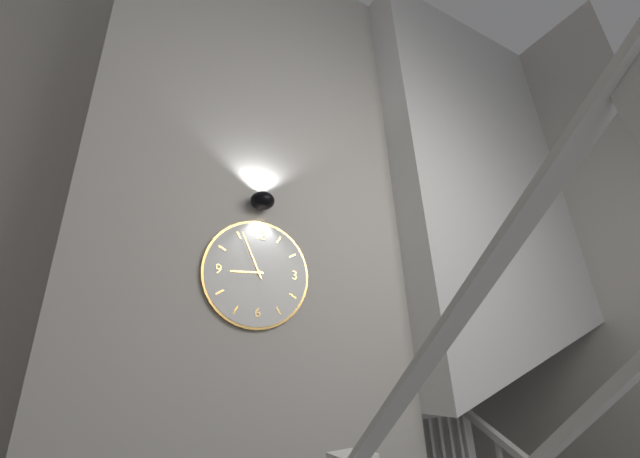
8:56
